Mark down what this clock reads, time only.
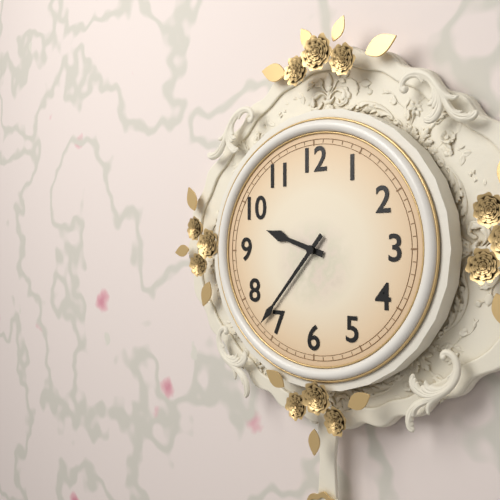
9:37
